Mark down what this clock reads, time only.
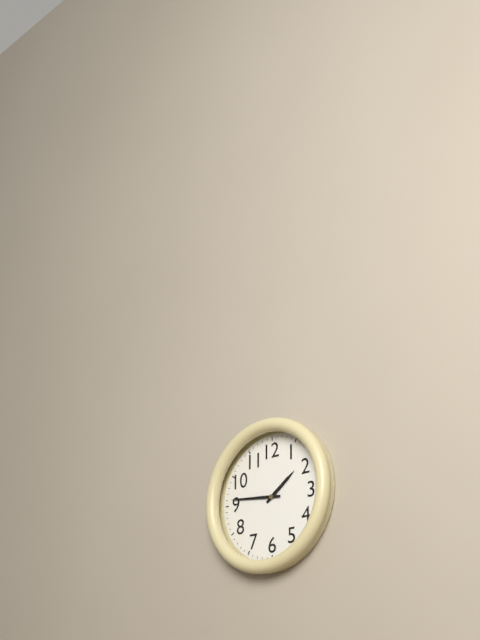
1:46
